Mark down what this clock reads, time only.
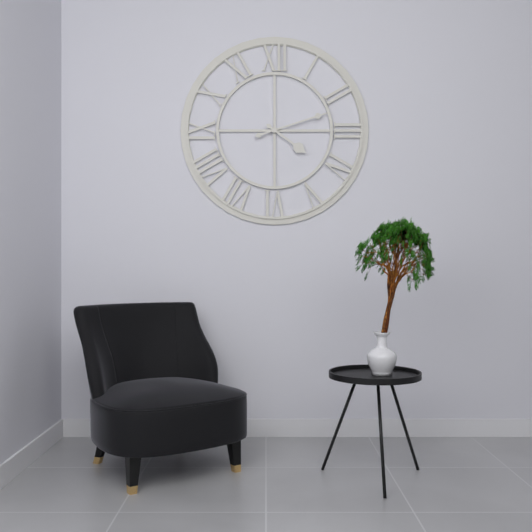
4:12
